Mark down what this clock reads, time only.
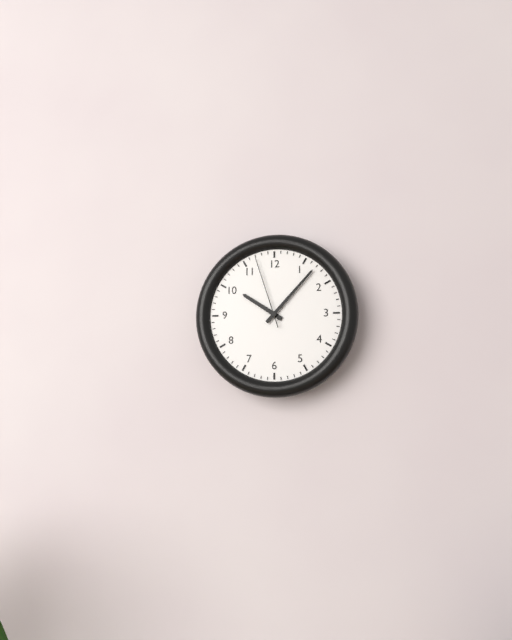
10:07:57
